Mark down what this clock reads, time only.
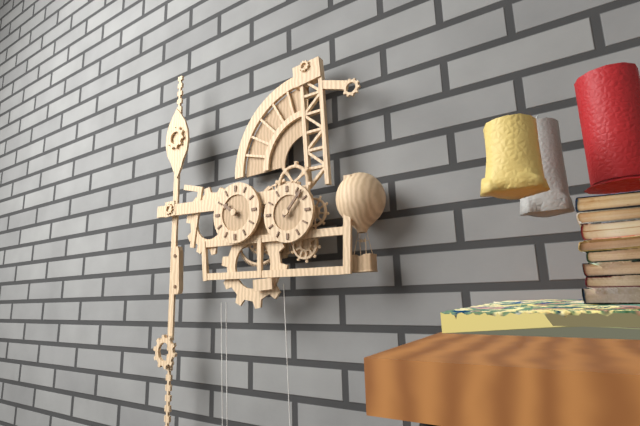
10:07
